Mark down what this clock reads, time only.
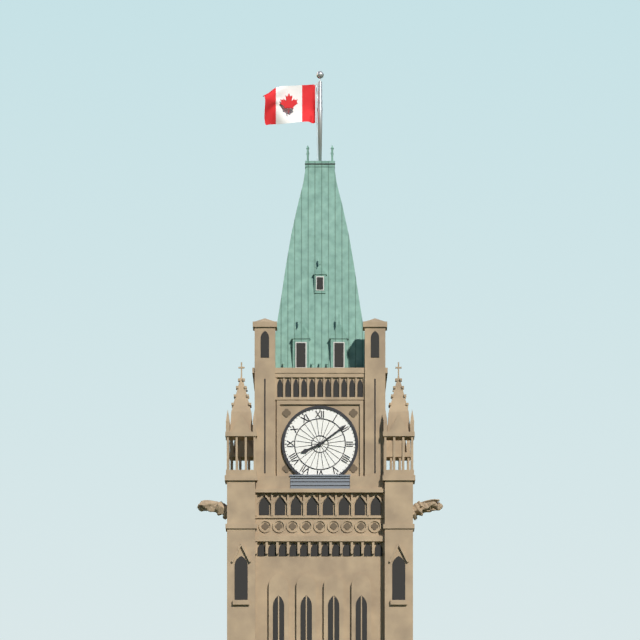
8:09
